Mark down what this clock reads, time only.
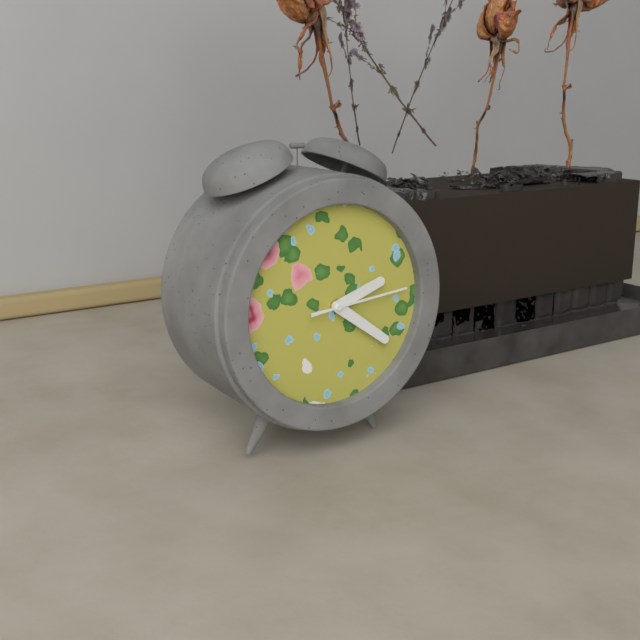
2:21:14
